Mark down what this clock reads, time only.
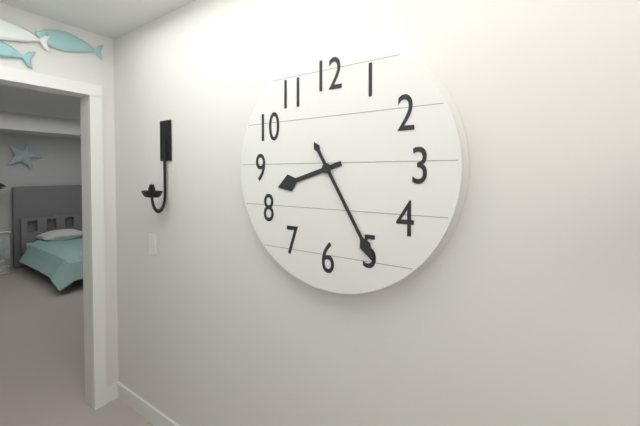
8:25
